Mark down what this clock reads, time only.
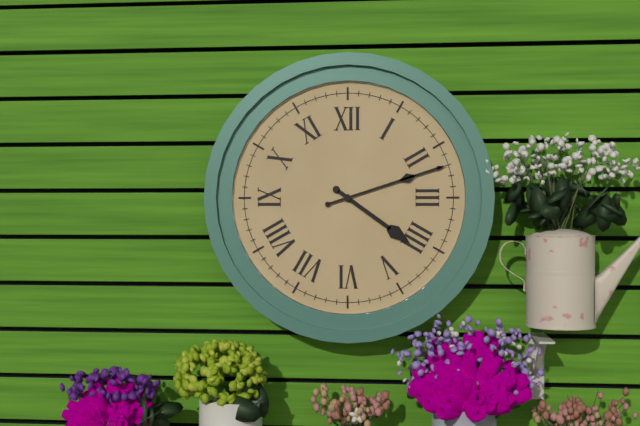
4:12
